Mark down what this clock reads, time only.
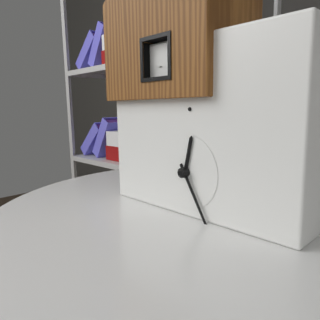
12:25
